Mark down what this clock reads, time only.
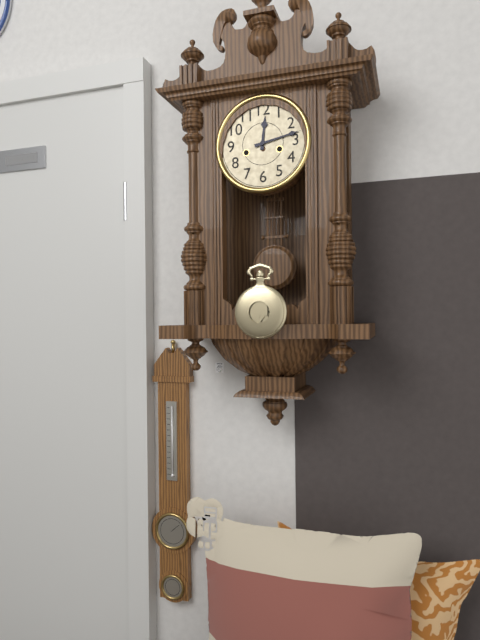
12:13
